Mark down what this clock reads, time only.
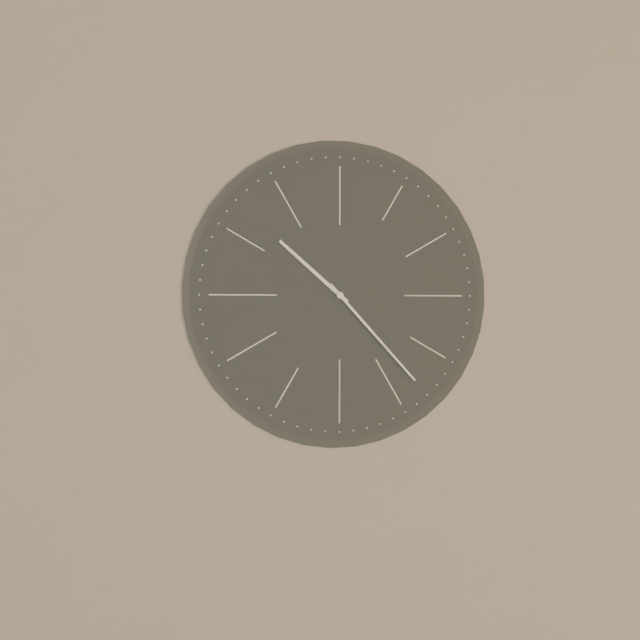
10:23
